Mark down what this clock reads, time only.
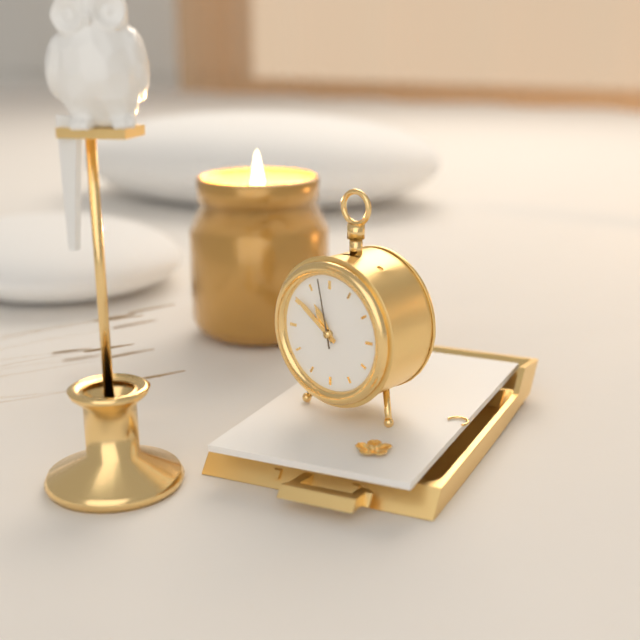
10:51:58
